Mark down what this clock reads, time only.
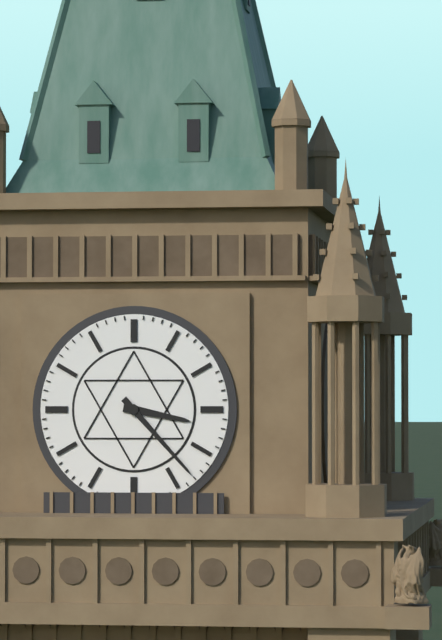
3:23
